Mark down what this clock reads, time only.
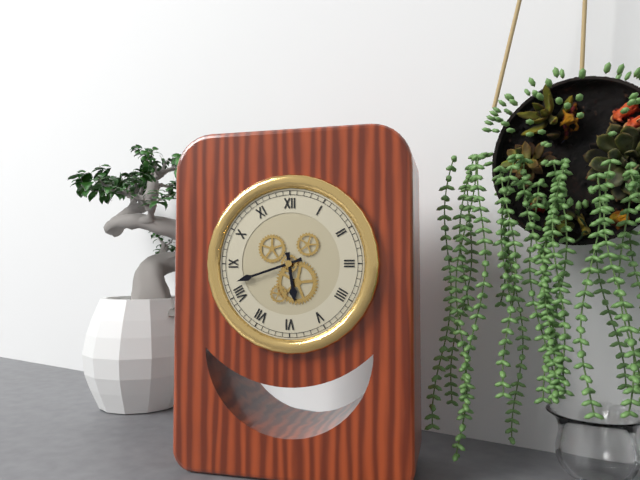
5:42
